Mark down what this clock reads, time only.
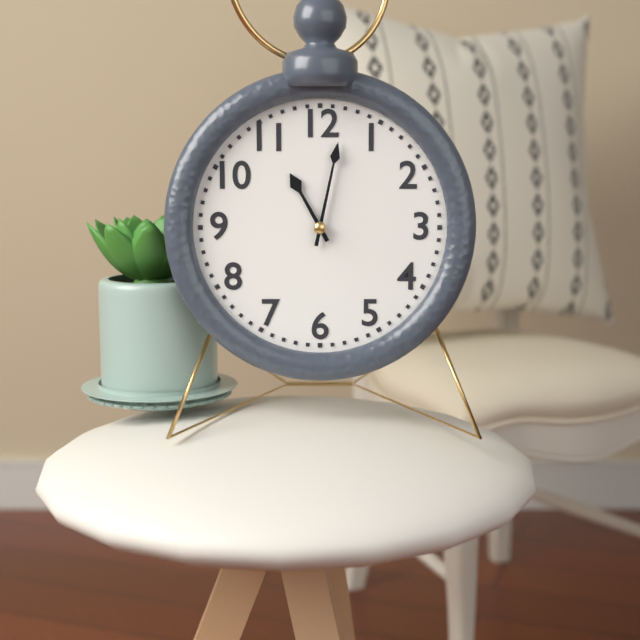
11:02
